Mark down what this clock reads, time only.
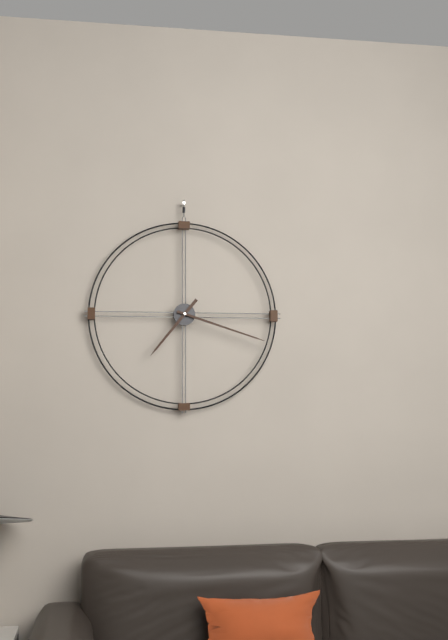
7:18
